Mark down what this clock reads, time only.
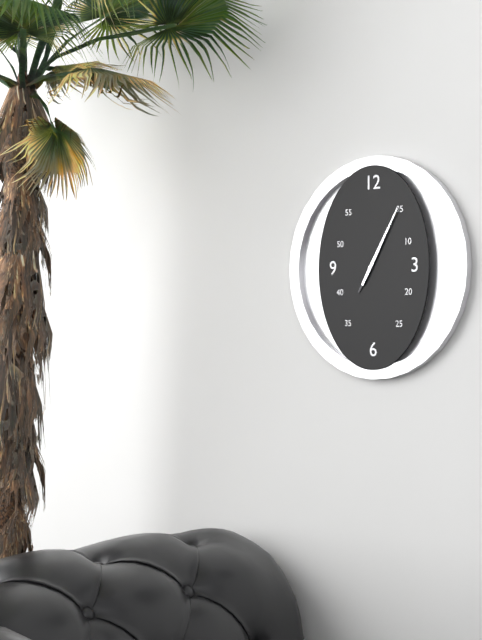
7:05
